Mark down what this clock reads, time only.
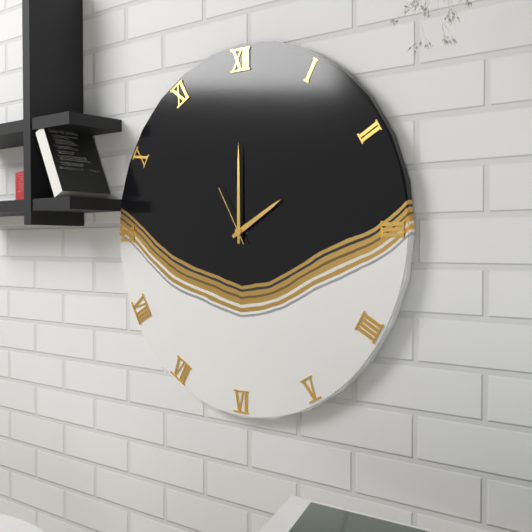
2:00:55
